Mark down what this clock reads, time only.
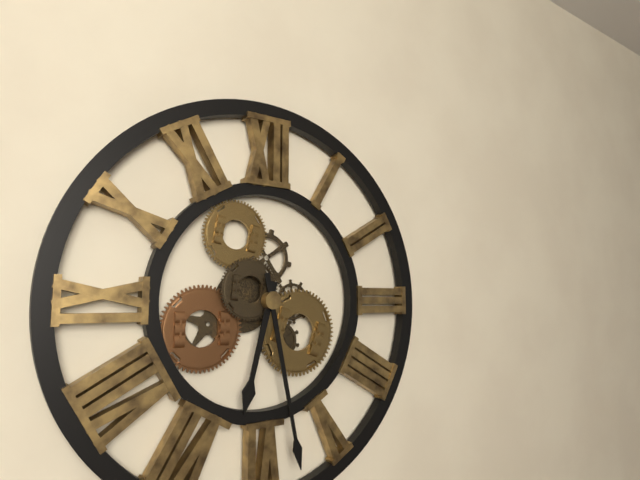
6:28
